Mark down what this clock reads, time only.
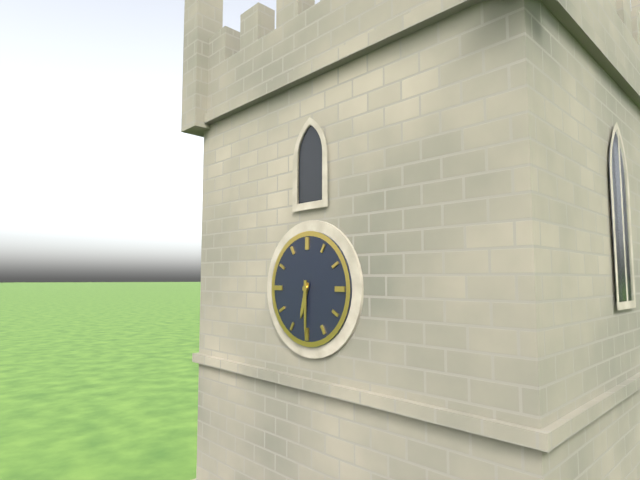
6:30
